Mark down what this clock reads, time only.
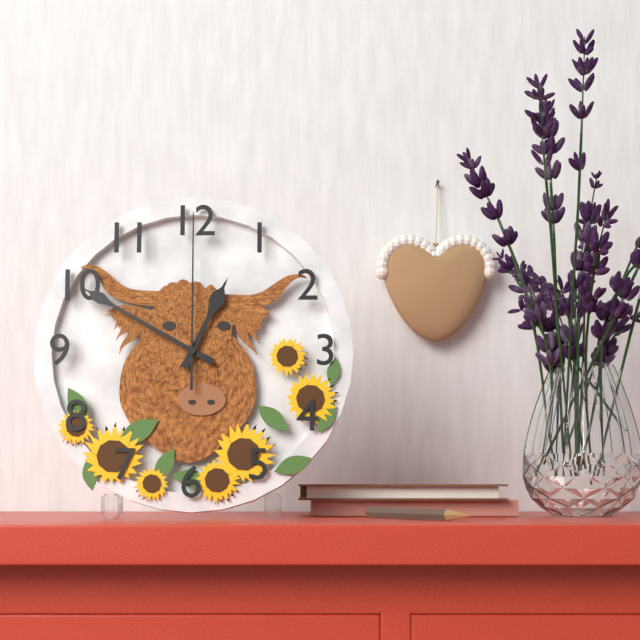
12:50:00
